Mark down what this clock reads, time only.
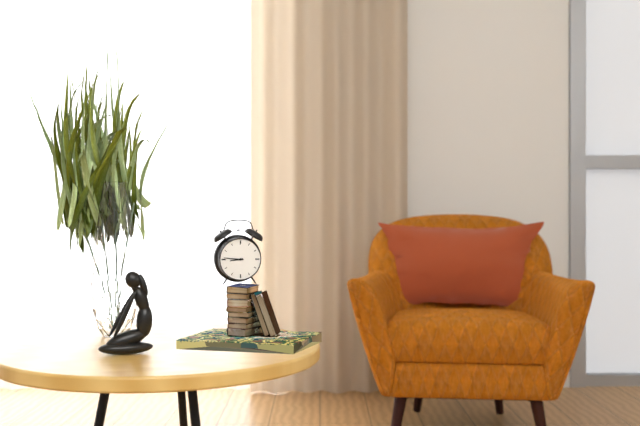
8:46
